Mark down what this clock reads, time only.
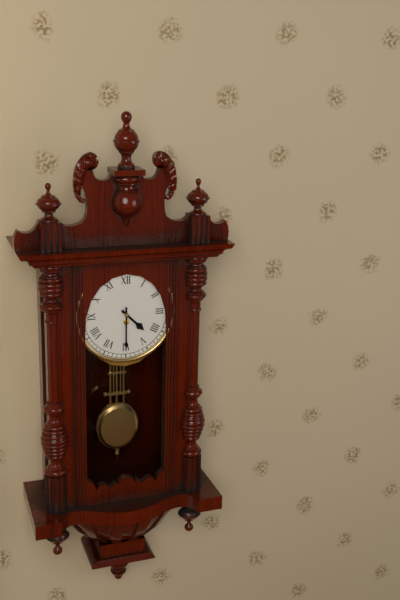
4:30
